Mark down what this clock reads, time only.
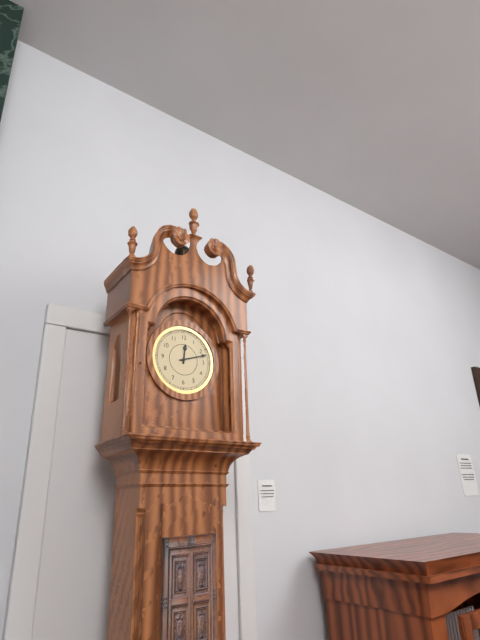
12:12
